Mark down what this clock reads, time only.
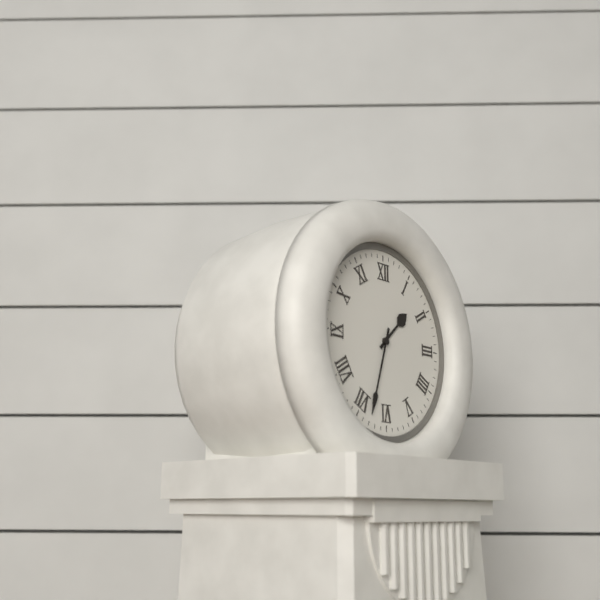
1:33
